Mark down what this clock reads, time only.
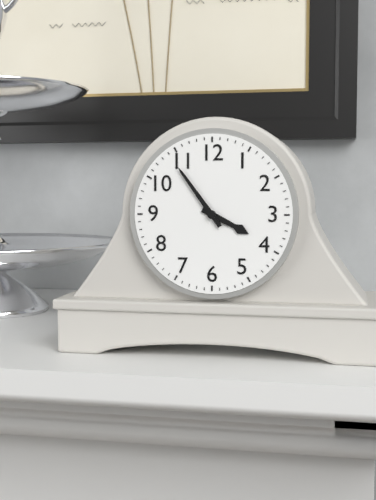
3:54
